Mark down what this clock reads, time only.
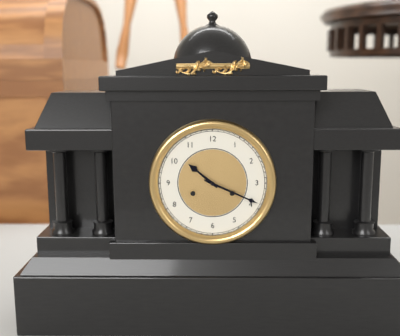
10:19
